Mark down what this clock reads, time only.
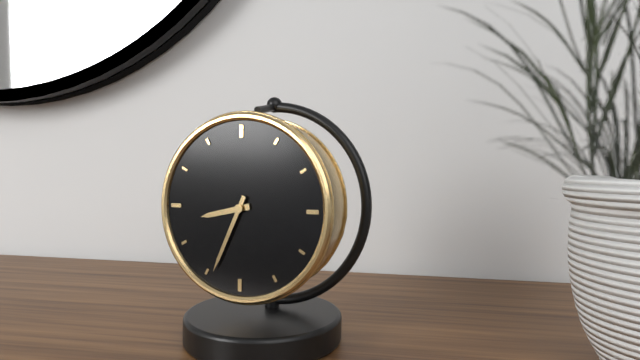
8:34
